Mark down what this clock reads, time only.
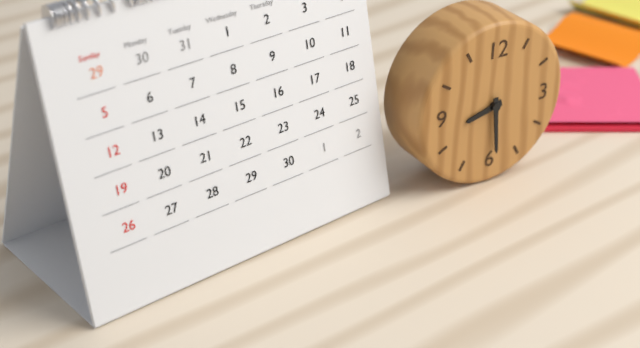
8:29
